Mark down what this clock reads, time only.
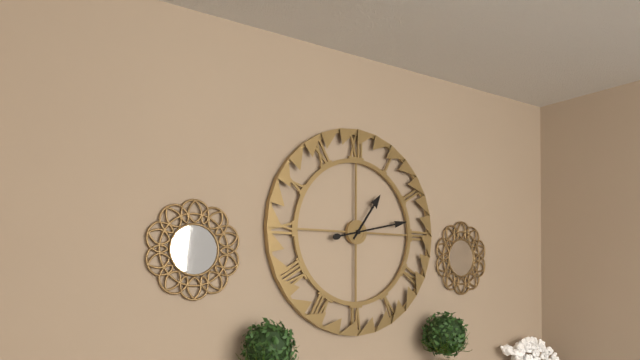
1:13
